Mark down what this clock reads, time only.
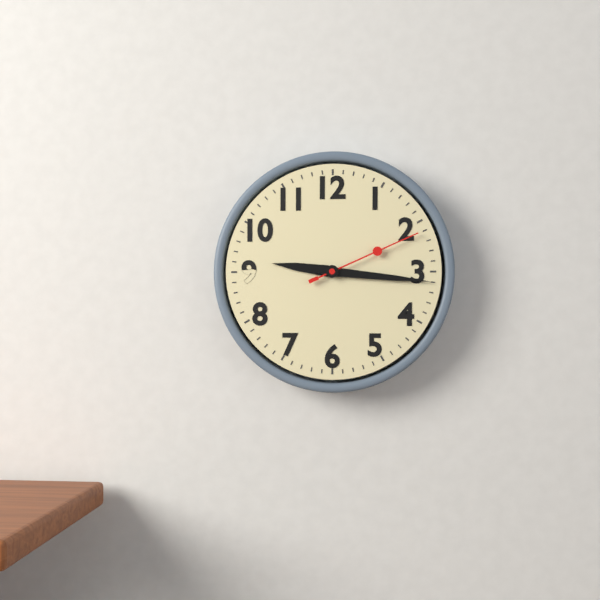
9:16:11
